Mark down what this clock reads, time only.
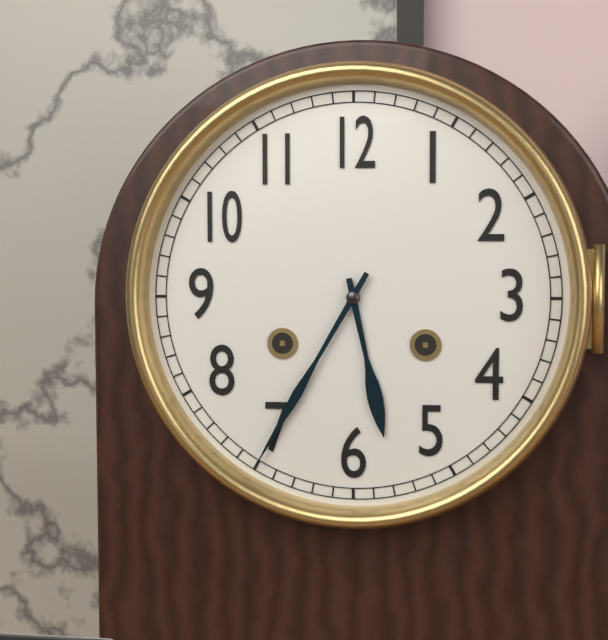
5:35
